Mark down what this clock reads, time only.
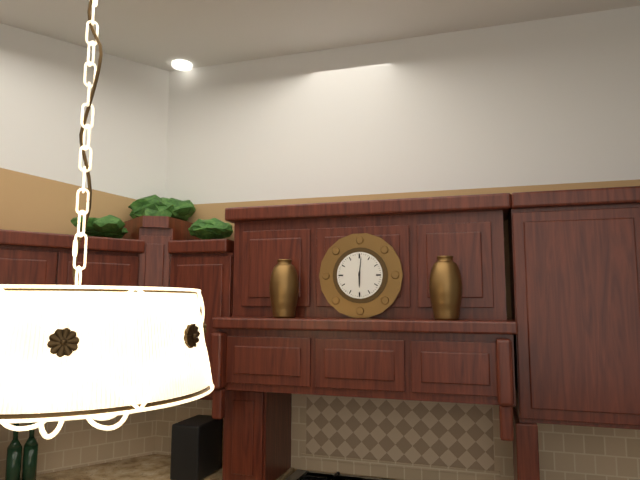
6:01
